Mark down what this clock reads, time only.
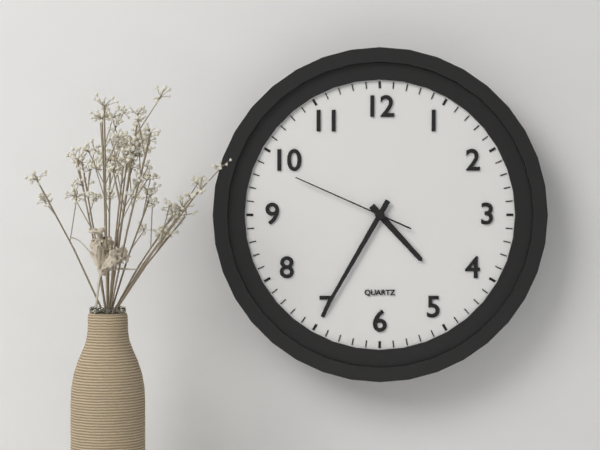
4:35:49
